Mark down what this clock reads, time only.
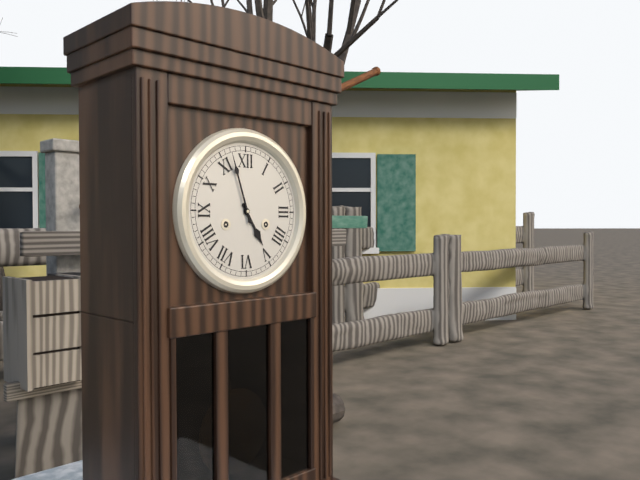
4:57
